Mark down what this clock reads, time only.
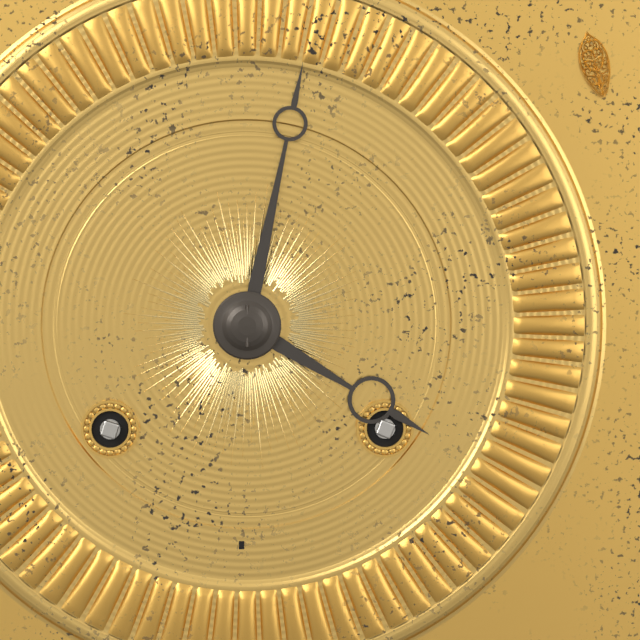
4:02
